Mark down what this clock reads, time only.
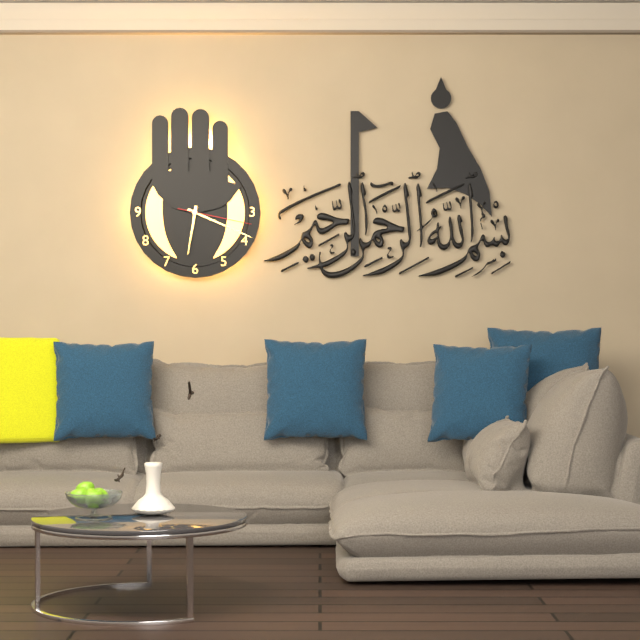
6:19:17
